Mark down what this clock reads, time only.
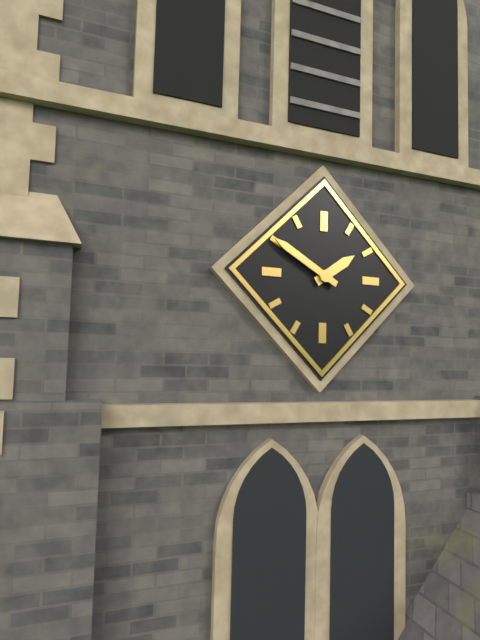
1:50
